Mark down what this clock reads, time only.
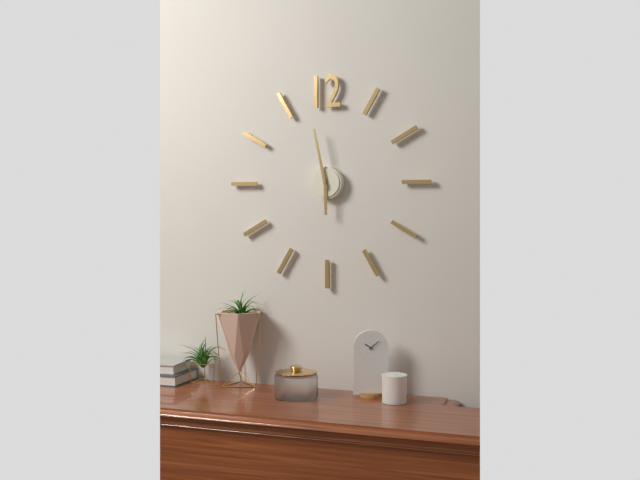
5:58
